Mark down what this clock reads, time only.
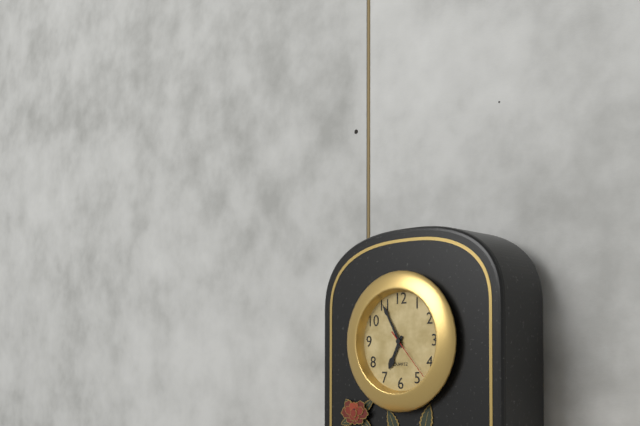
6:55:23
